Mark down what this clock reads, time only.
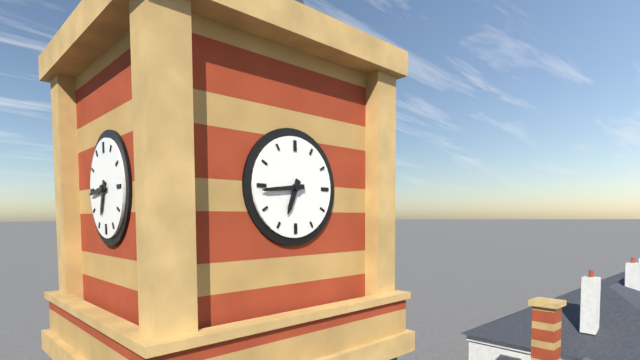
6:44
